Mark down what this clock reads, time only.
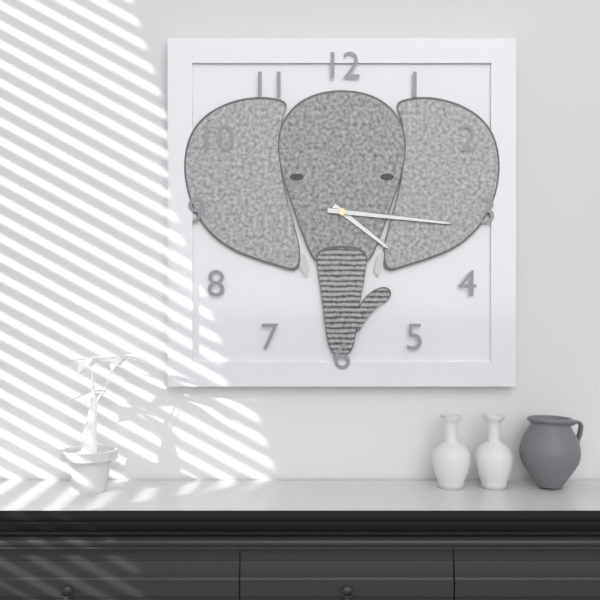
4:16
